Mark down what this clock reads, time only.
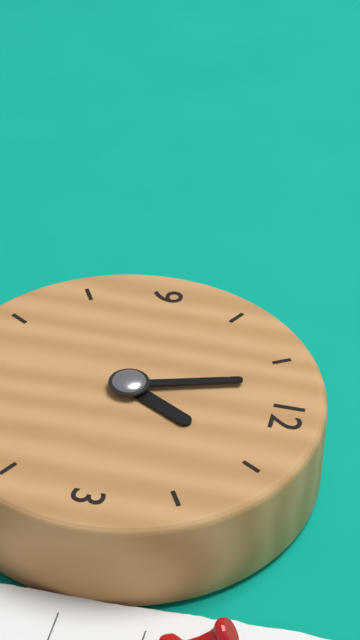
12:57
